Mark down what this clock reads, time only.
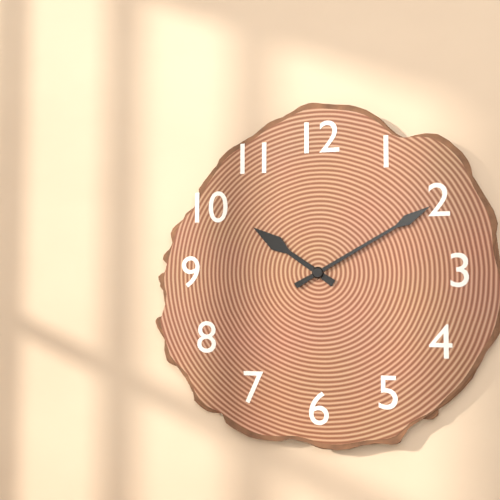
10:10
